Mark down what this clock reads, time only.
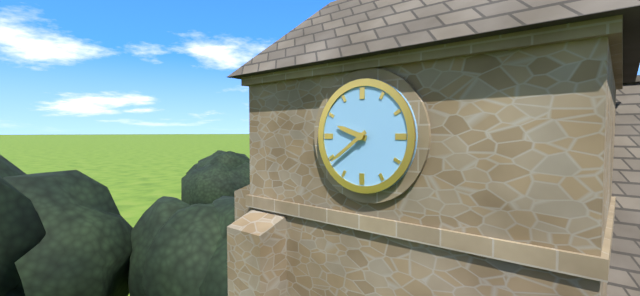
9:39
